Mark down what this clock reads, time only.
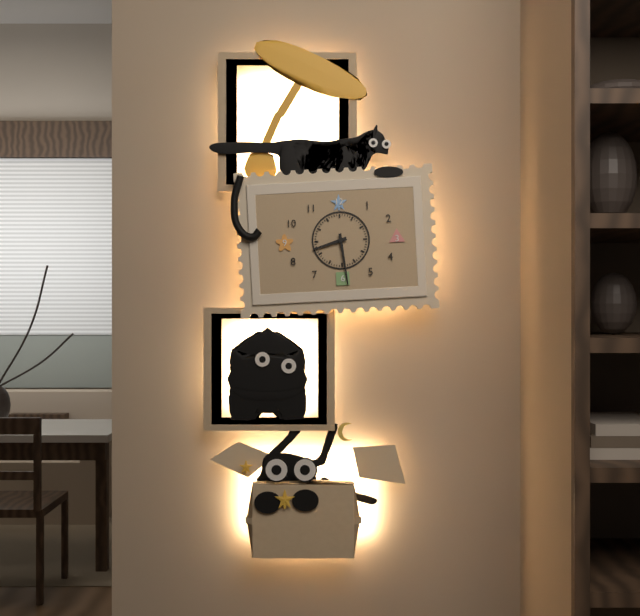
8:29
